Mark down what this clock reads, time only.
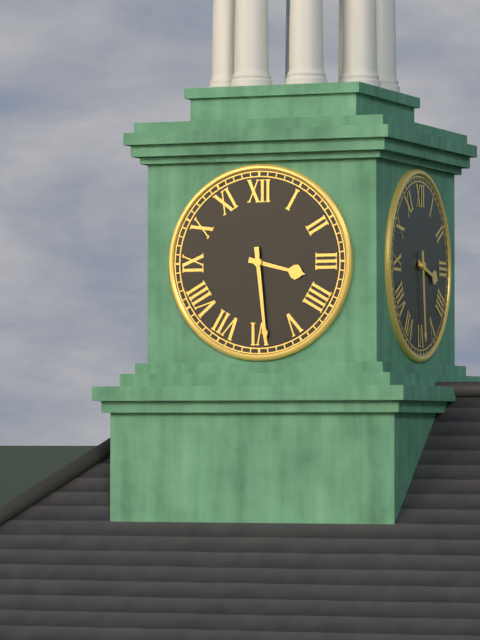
3:29
